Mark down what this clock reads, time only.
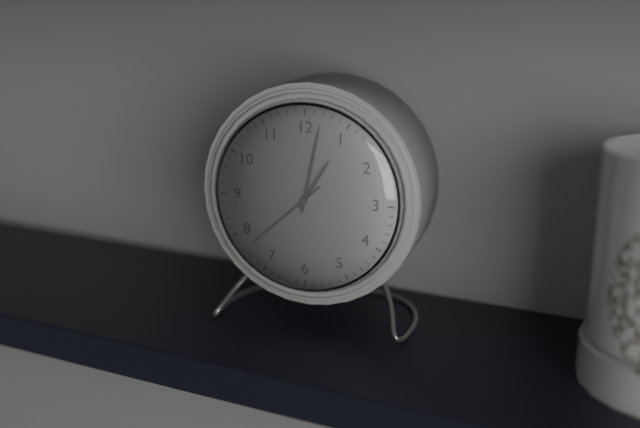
1:02:38
